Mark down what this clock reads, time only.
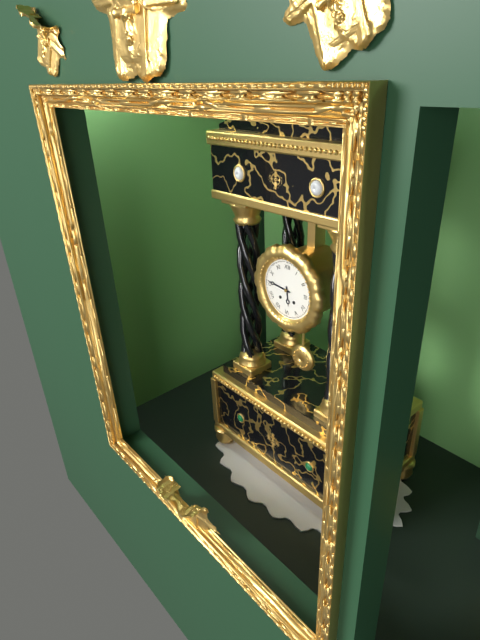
5:46
